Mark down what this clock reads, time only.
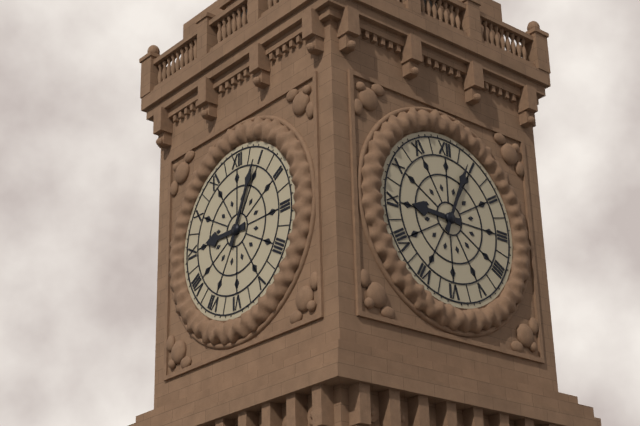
9:04
